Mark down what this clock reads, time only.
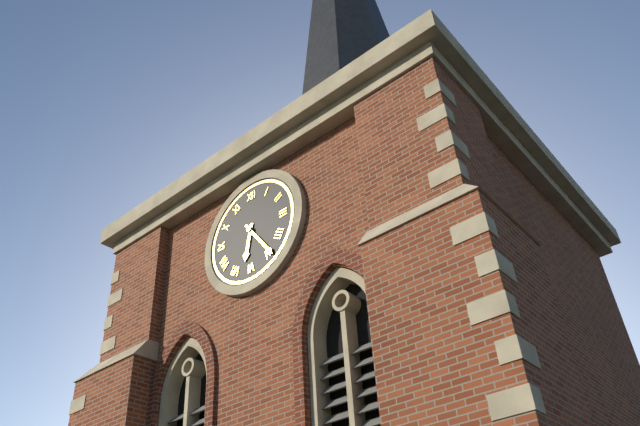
6:24
